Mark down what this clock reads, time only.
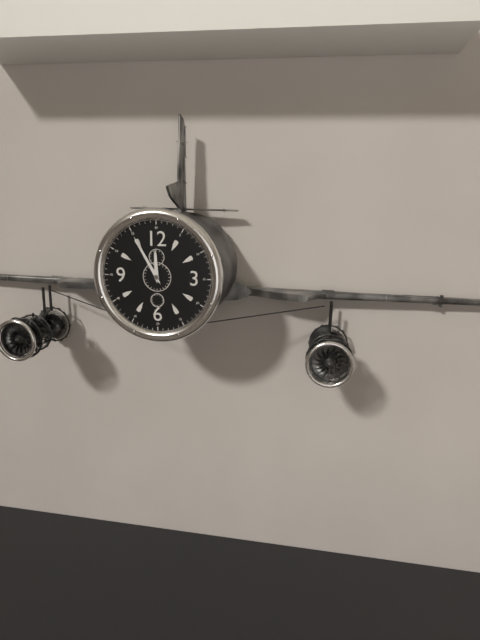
11:55
